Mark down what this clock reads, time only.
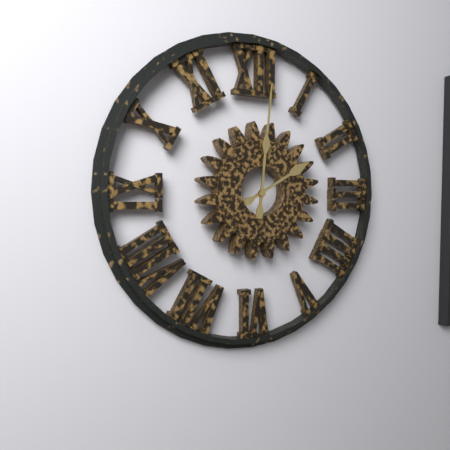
2:01
